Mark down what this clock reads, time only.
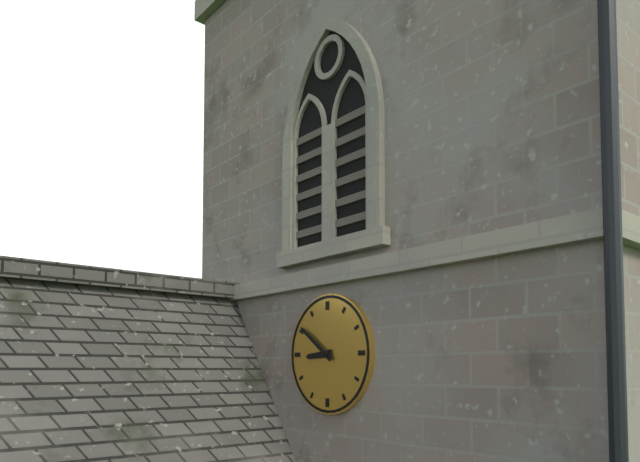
8:51
